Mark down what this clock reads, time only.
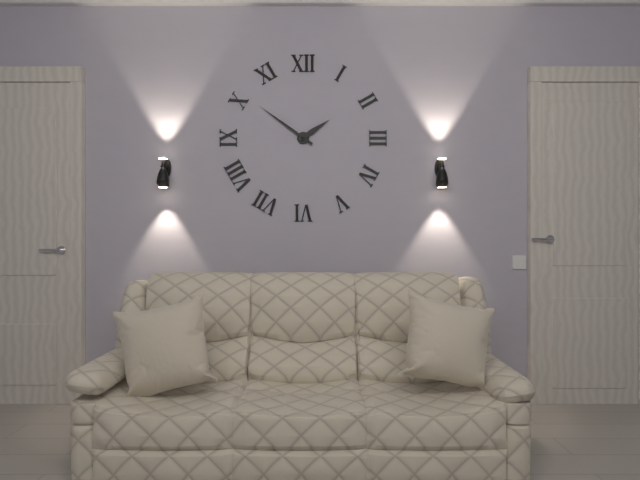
1:51
